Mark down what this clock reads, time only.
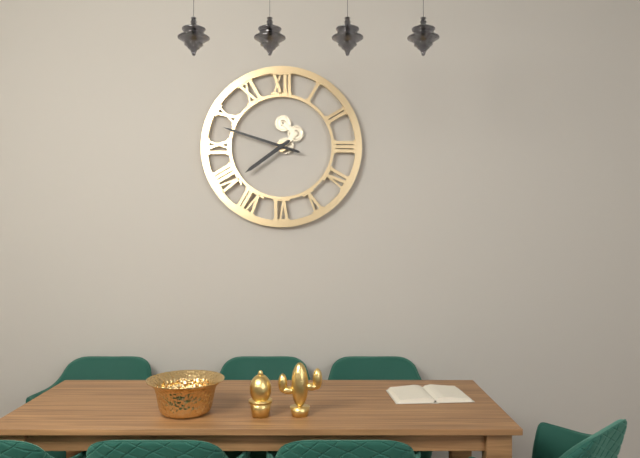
7:48
